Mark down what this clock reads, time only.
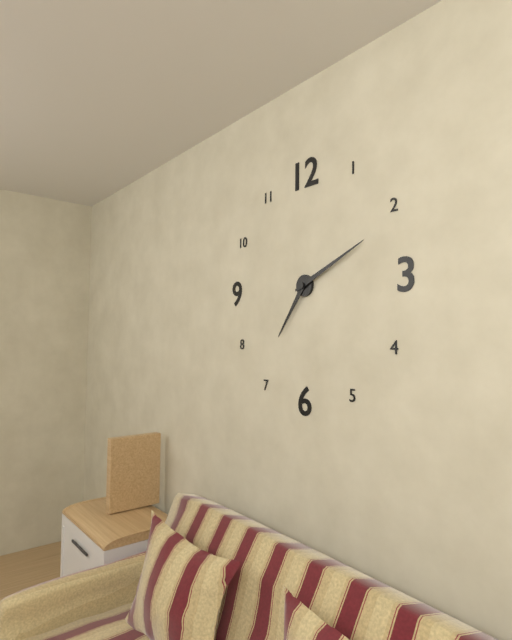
7:11
